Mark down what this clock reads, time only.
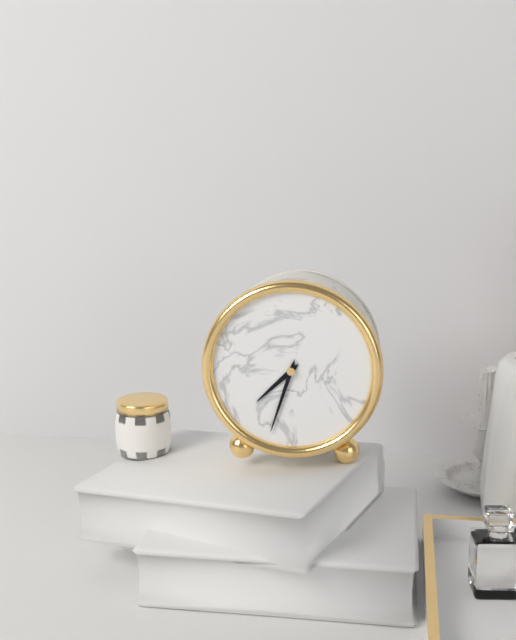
7:33
